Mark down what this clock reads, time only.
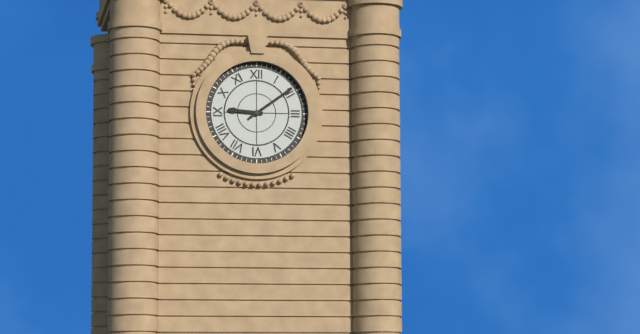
9:09
